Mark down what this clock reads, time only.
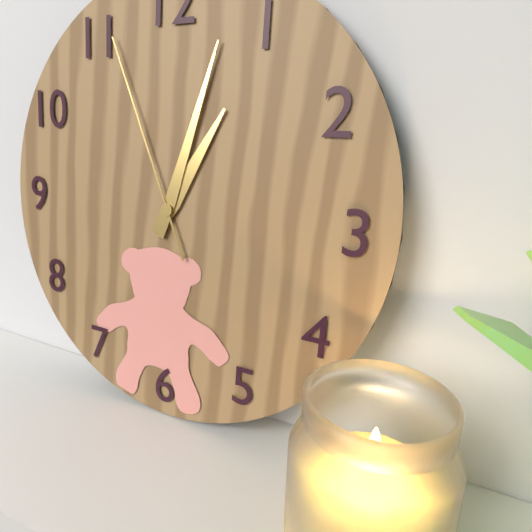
1:03:56
